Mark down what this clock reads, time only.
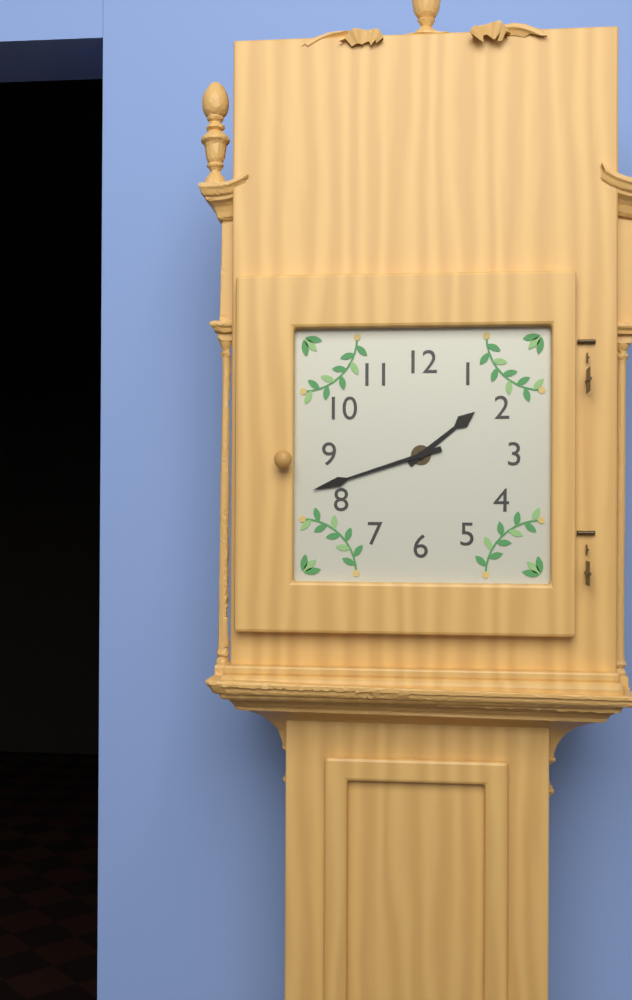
1:42
